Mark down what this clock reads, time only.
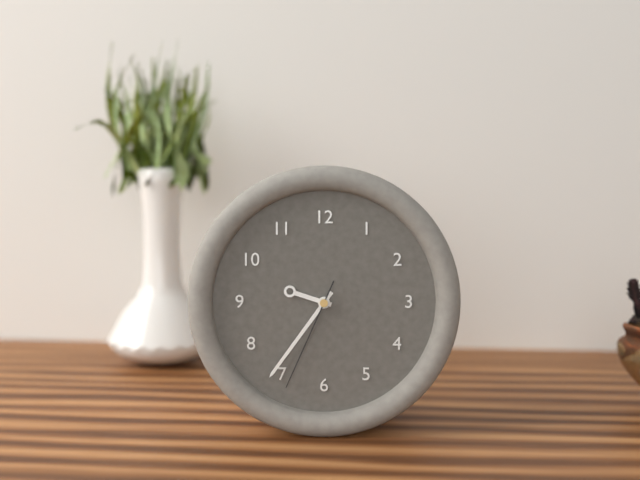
9:36:34
